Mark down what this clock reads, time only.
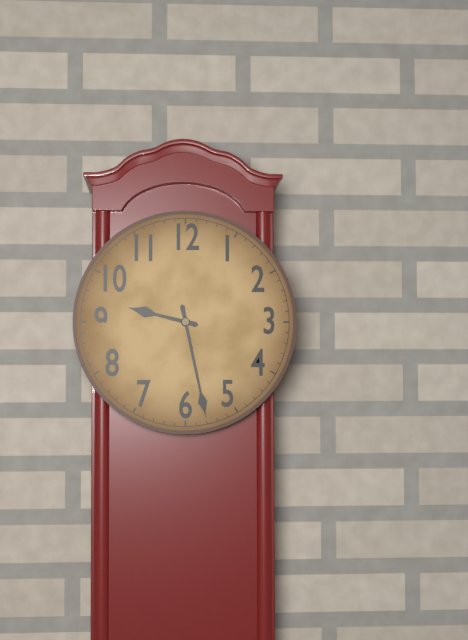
9:28
